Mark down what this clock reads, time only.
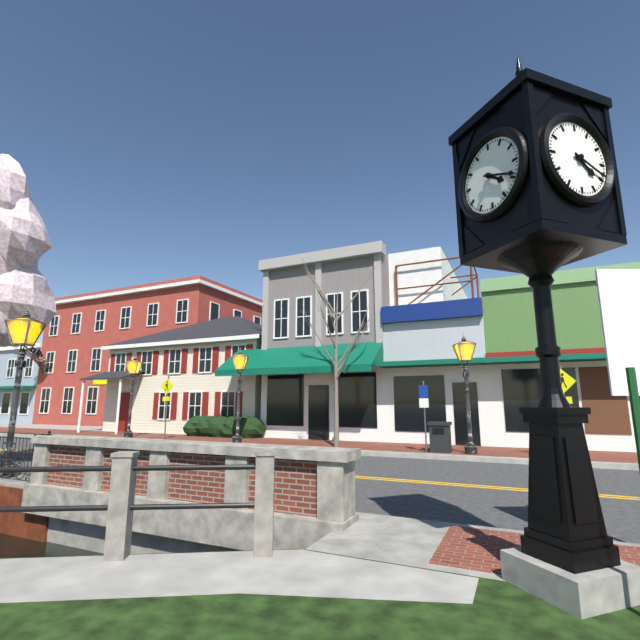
4:19
